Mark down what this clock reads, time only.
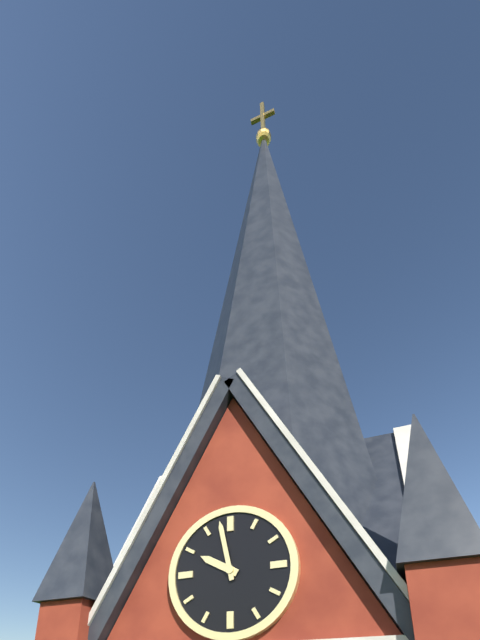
9:58
